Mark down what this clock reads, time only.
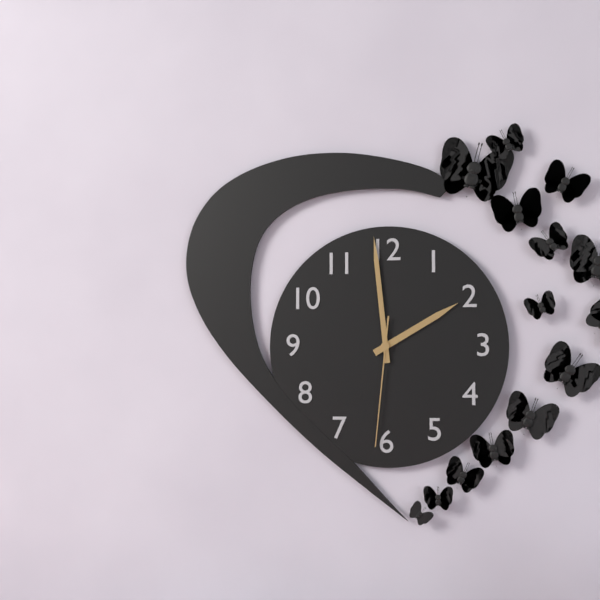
1:59:31
